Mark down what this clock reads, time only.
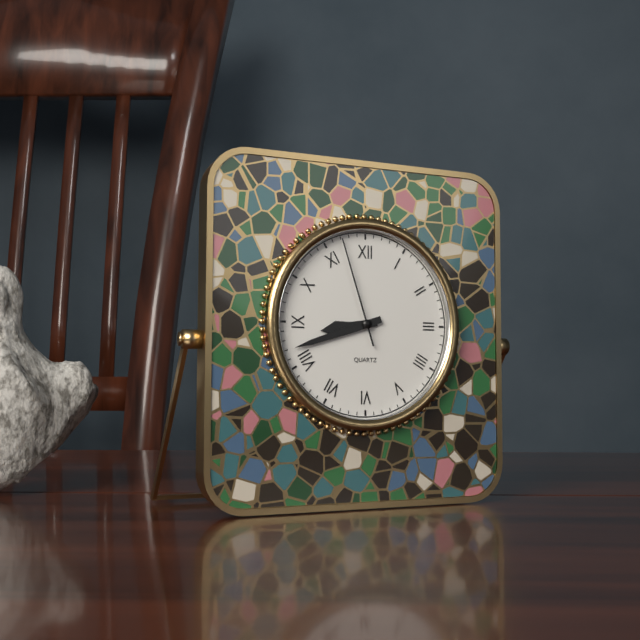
8:42:57
